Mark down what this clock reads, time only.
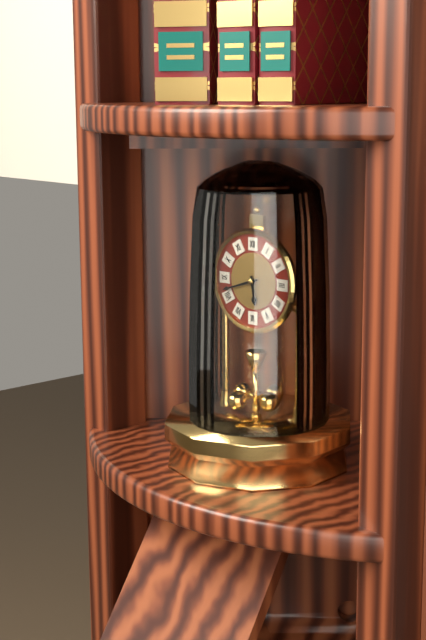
5:42
